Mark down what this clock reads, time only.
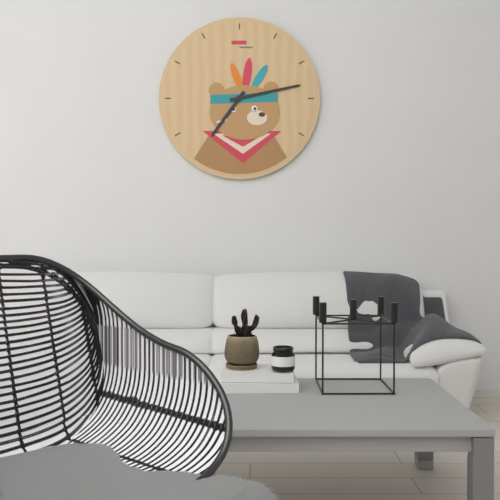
7:13
